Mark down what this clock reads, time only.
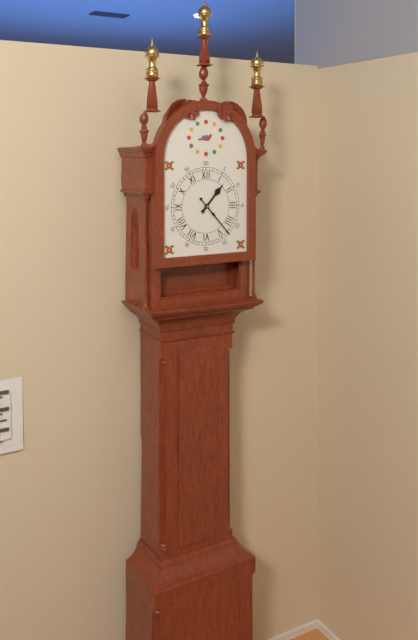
1:23
